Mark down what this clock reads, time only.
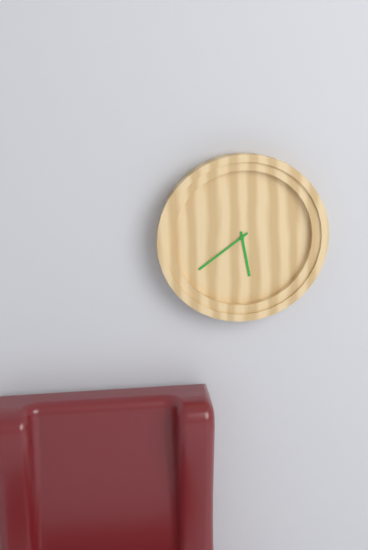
5:39
